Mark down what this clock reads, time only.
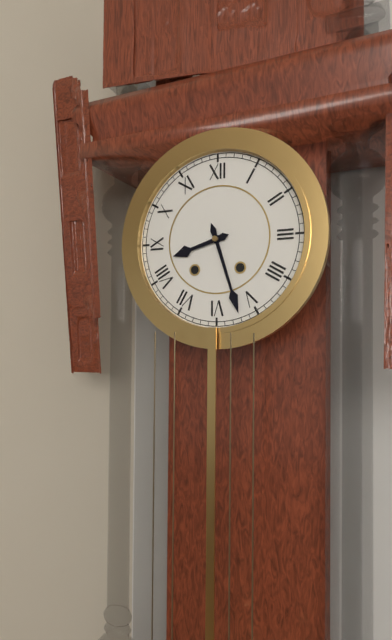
8:27
